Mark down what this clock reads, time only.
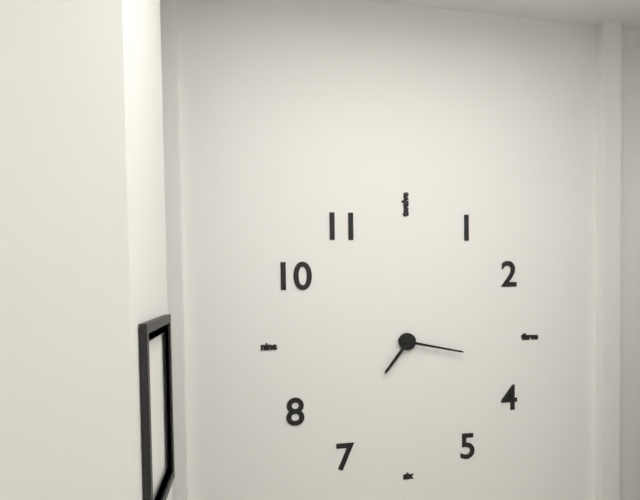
7:17
